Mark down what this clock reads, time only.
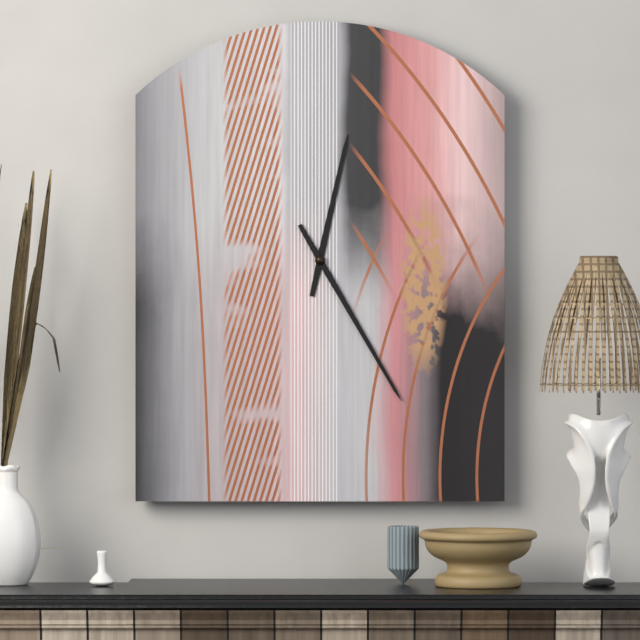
12:25
